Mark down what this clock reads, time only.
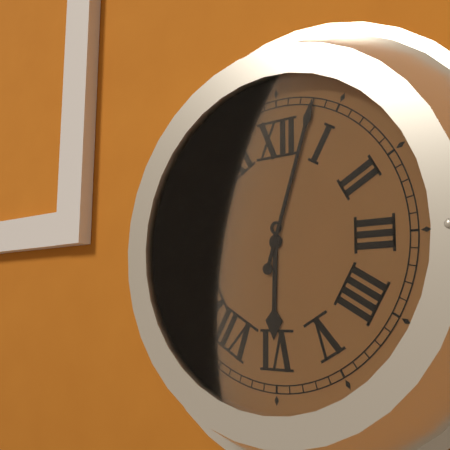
6:03
